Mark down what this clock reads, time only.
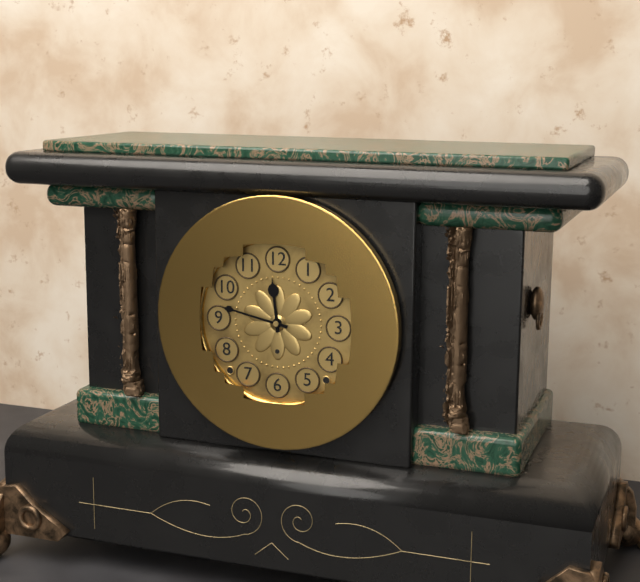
11:47
